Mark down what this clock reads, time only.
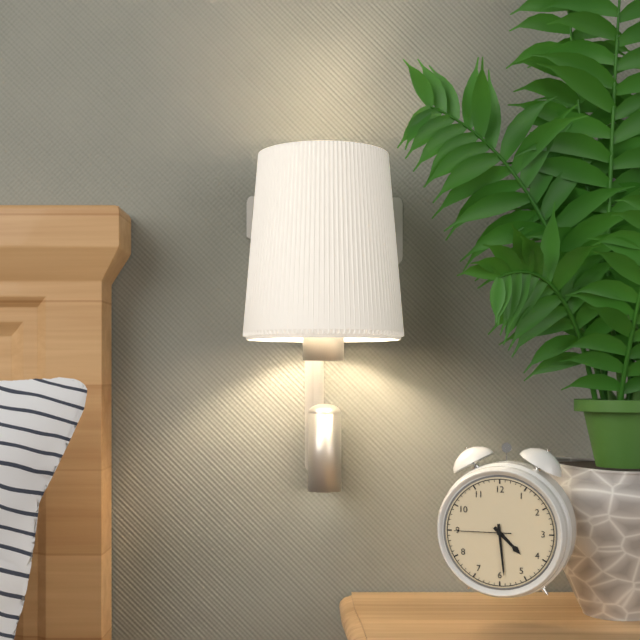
4:29:45
